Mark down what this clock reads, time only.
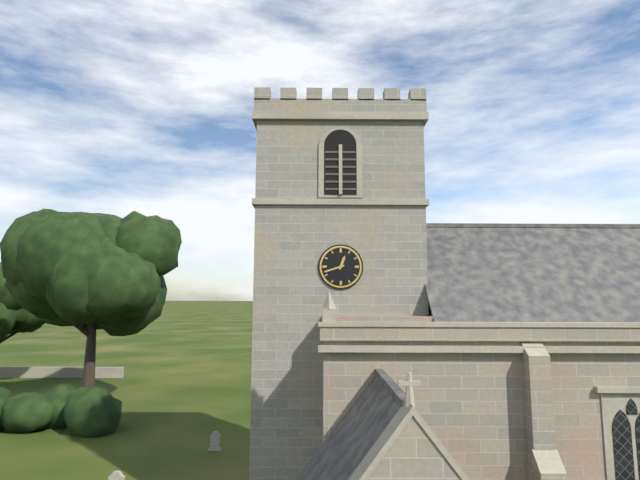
12:42
